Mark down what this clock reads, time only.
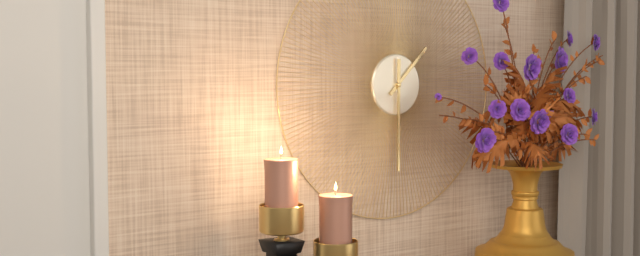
1:30
